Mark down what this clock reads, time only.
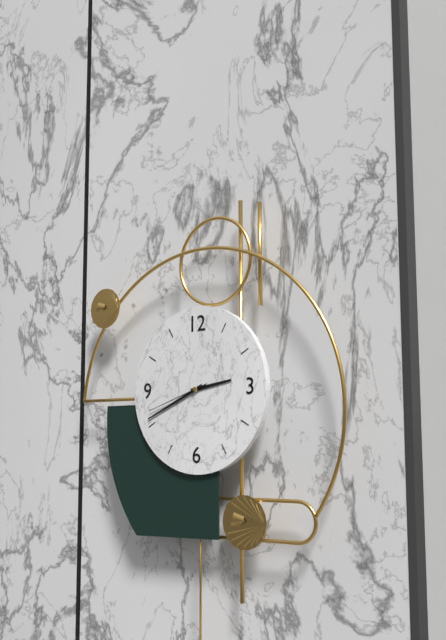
2:41:42
